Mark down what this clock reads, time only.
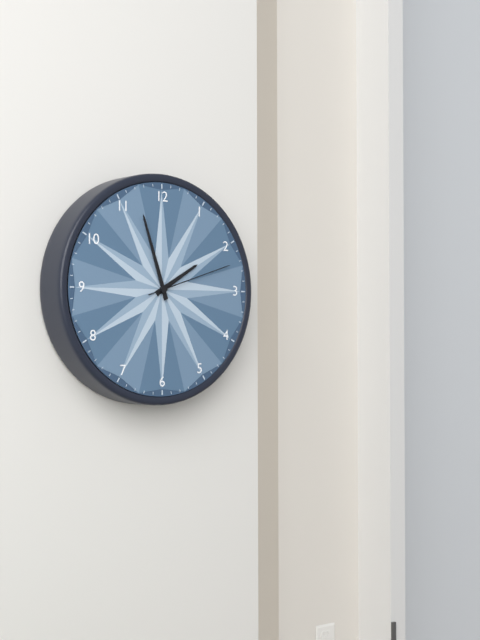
1:57:12
